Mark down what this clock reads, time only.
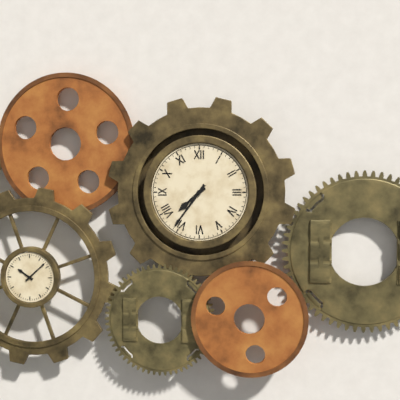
7:36
